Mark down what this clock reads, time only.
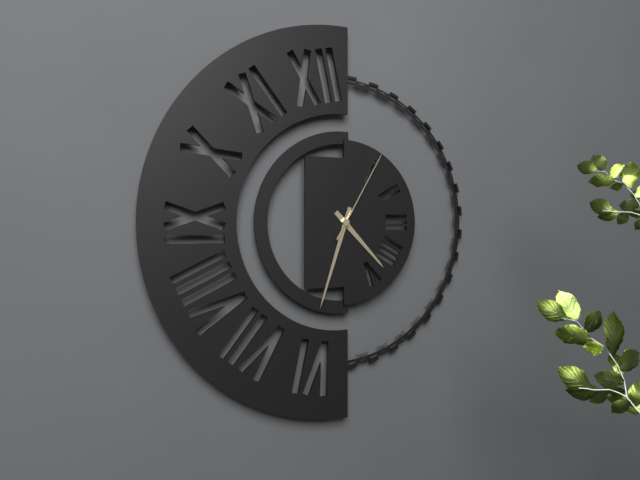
4:33:05
